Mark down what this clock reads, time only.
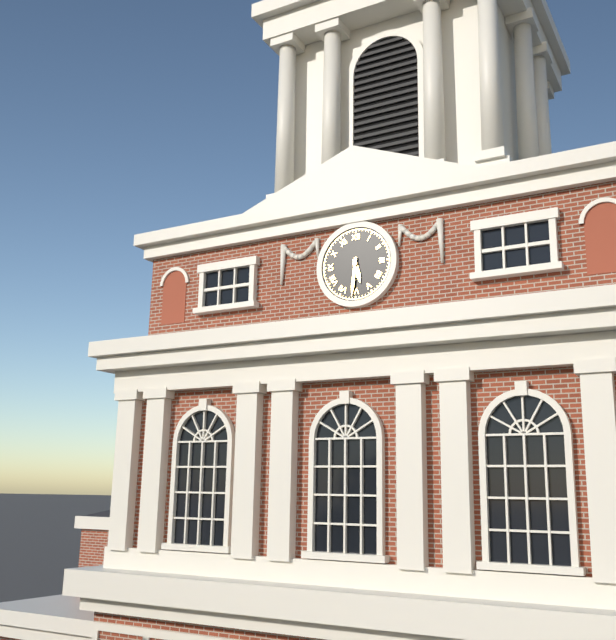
5:31
